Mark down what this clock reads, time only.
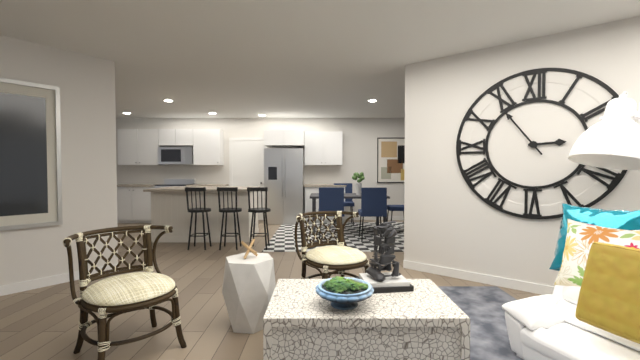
2:54
